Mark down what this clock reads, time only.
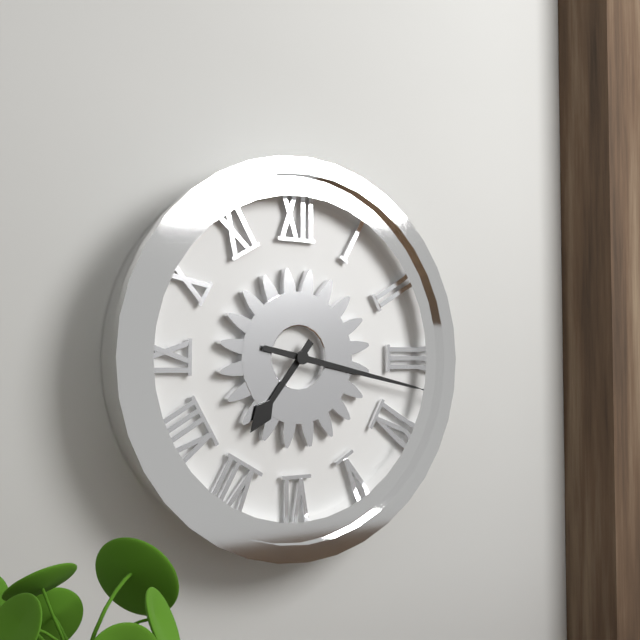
7:17
